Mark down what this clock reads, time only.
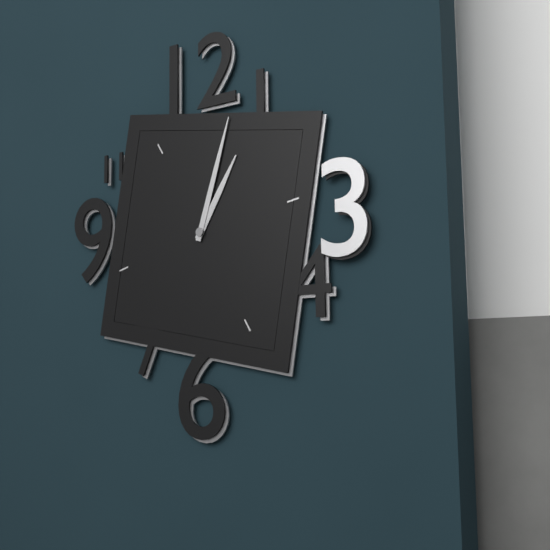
1:03
